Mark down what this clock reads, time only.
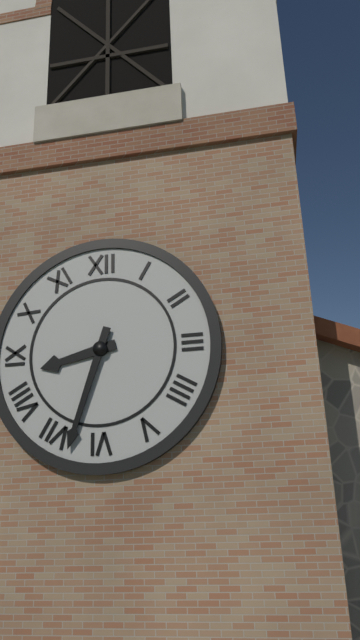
8:33
